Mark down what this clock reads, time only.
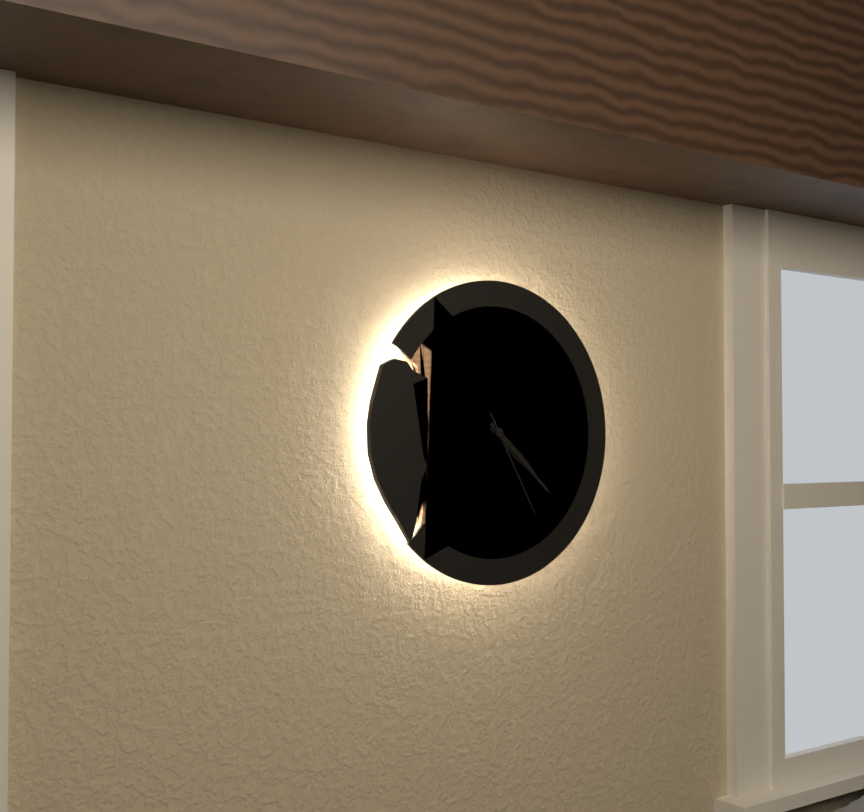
4:22:25
